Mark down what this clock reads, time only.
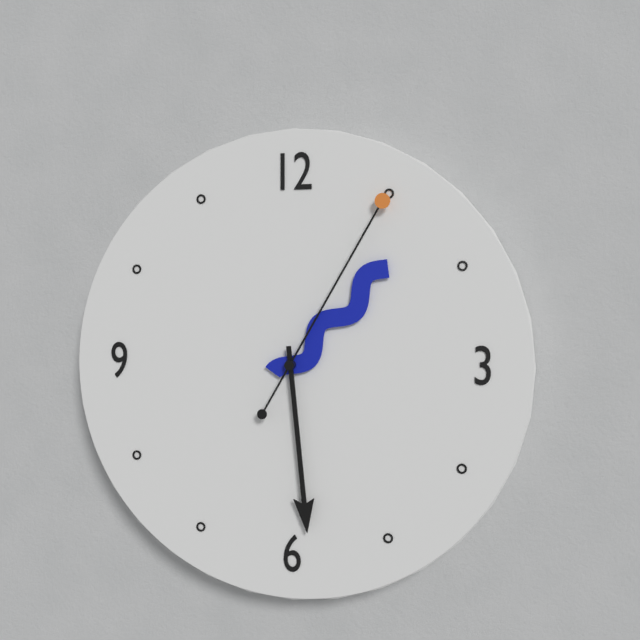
1:29:05
